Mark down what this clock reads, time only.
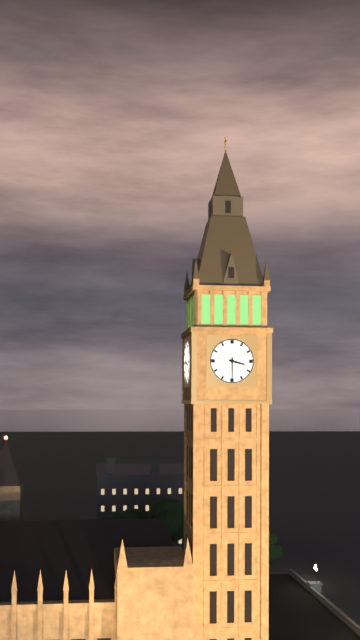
3:30
